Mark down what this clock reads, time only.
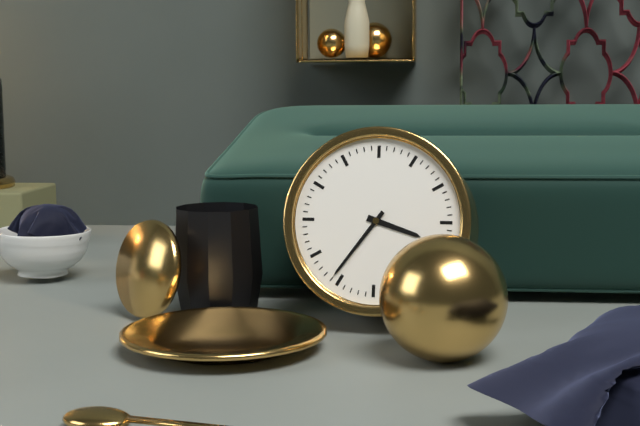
3:36
